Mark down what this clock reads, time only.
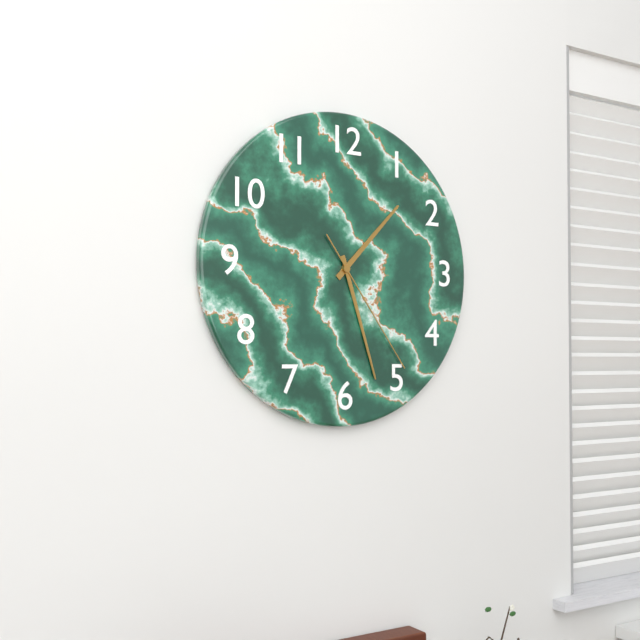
1:27:24
